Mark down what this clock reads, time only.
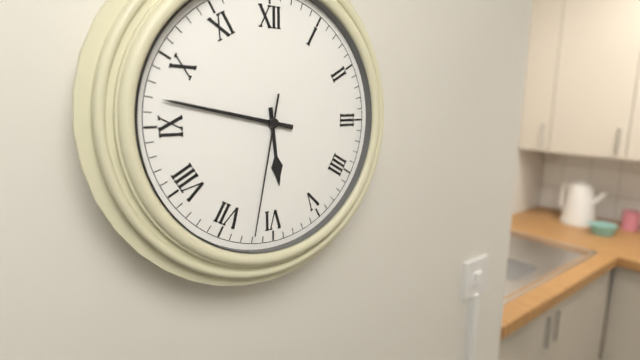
5:47:32
